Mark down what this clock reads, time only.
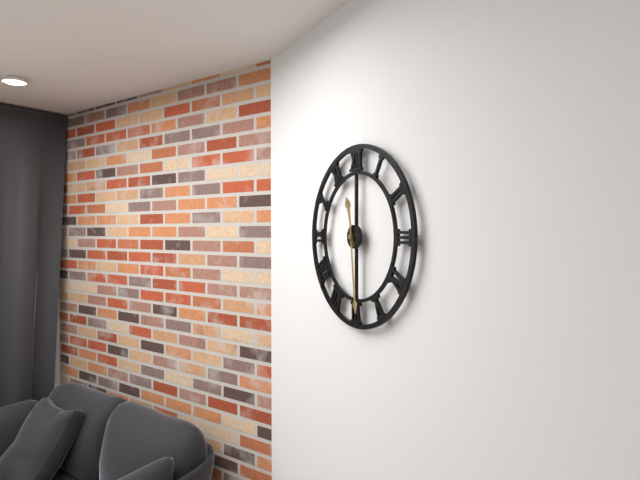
11:29
